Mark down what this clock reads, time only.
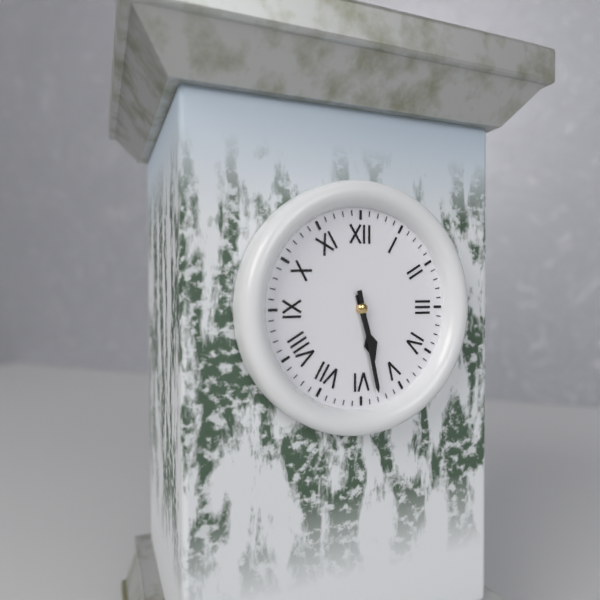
5:28
